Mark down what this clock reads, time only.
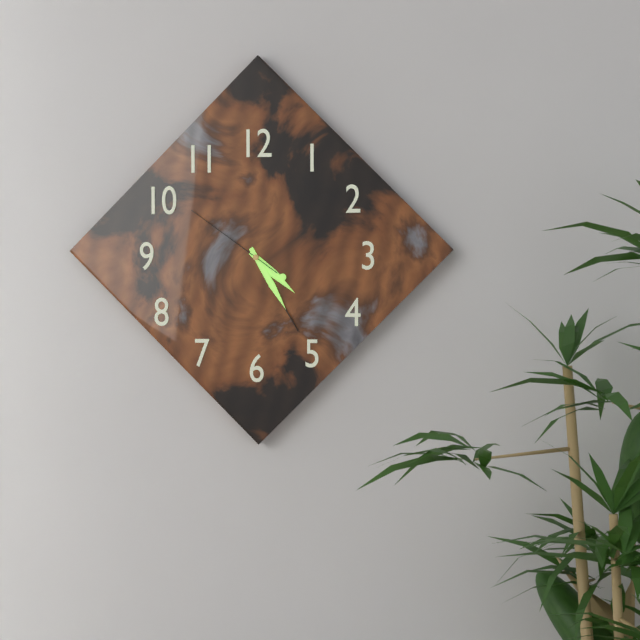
4:25:51
